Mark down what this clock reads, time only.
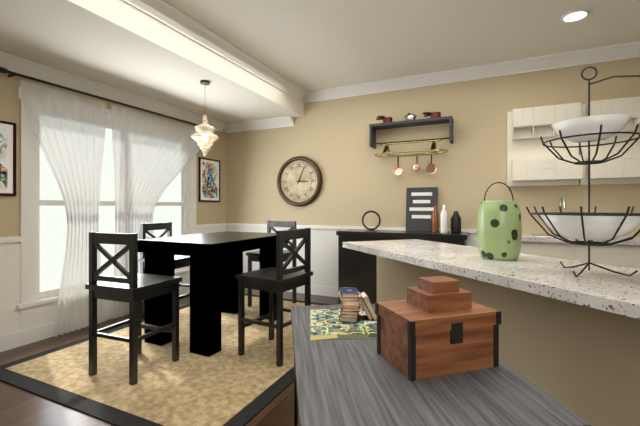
3:04
